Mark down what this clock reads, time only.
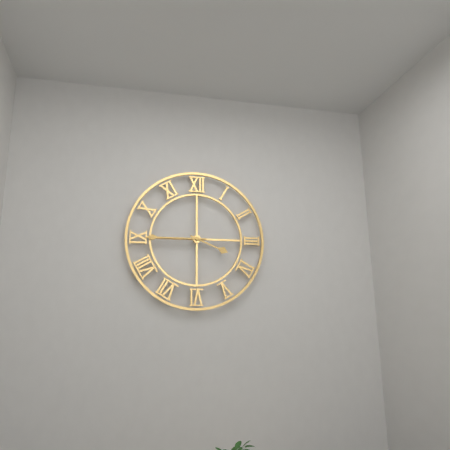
3:45
